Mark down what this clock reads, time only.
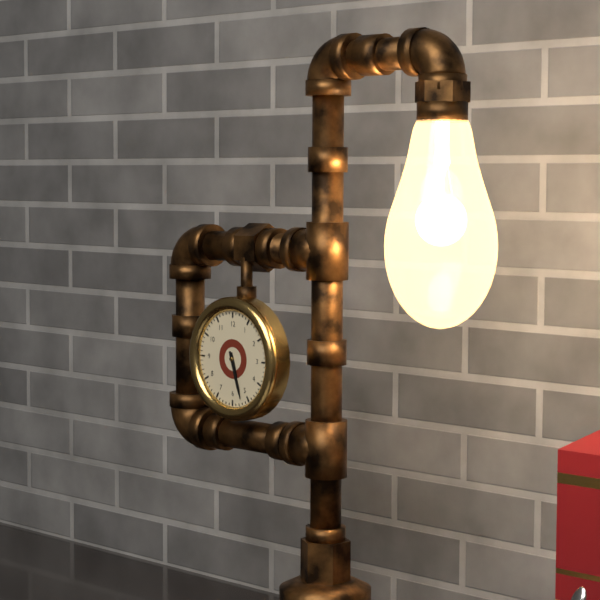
5:27
